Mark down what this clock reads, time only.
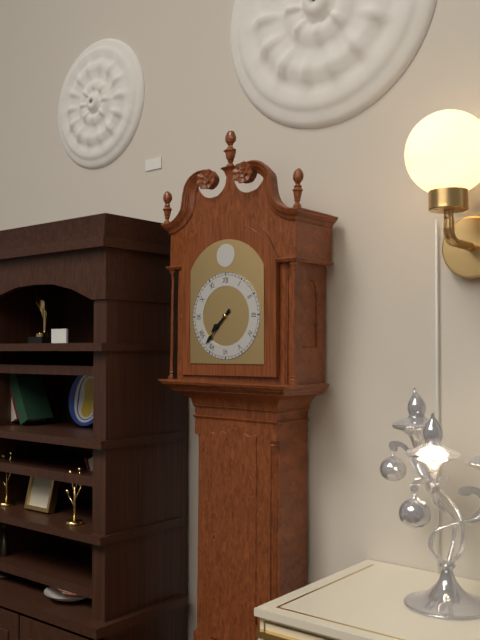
7:37
